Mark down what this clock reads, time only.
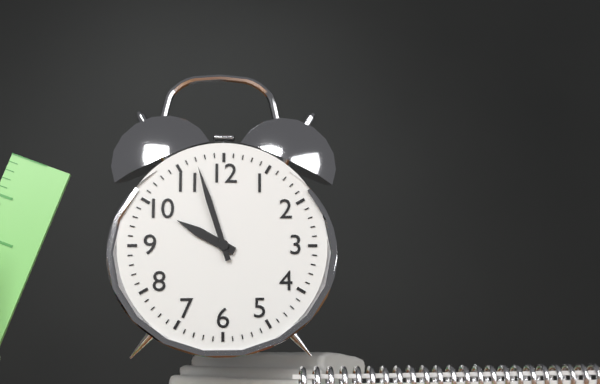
9:57
